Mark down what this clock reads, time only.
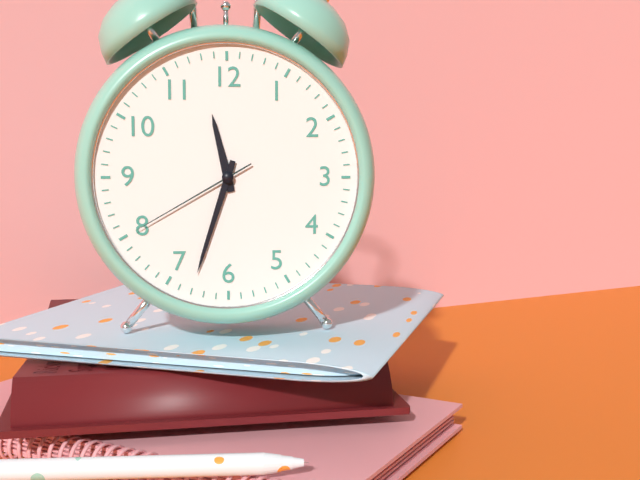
11:33:40
